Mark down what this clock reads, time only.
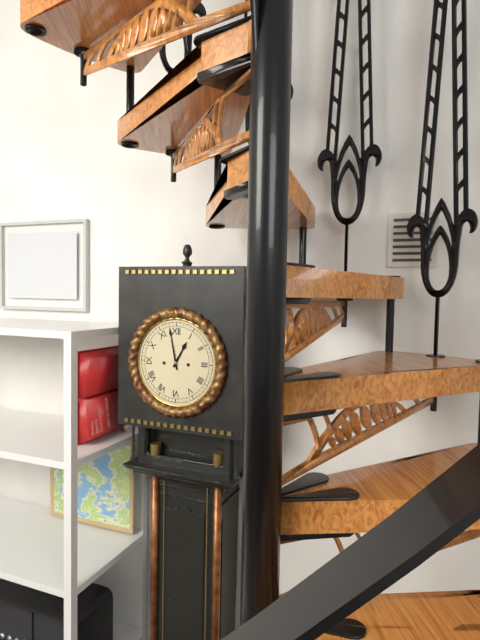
12:58
